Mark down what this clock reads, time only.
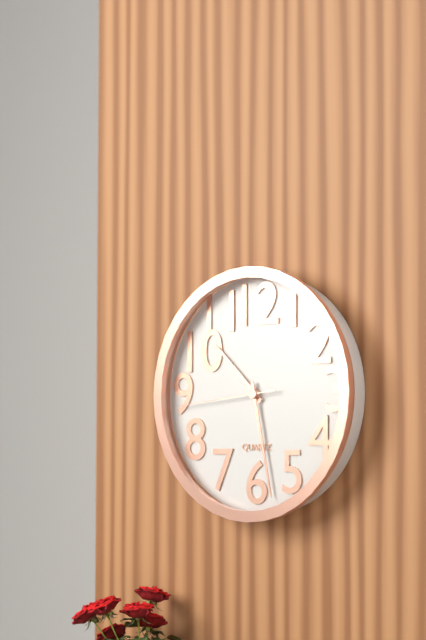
10:28:44
